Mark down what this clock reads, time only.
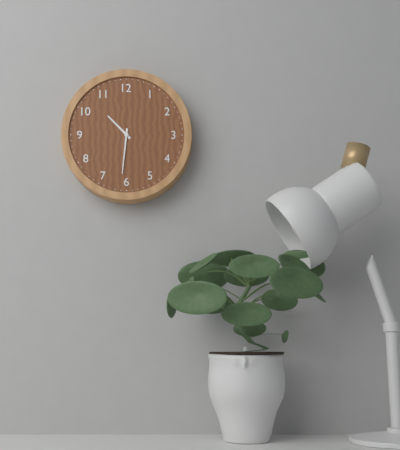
10:31
